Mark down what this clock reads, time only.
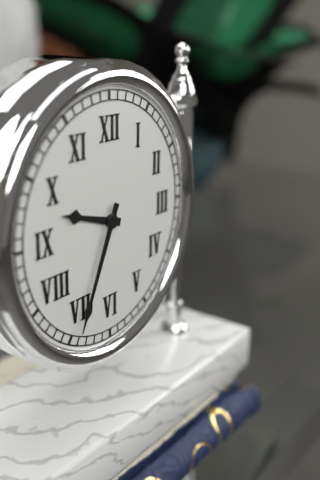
9:34
